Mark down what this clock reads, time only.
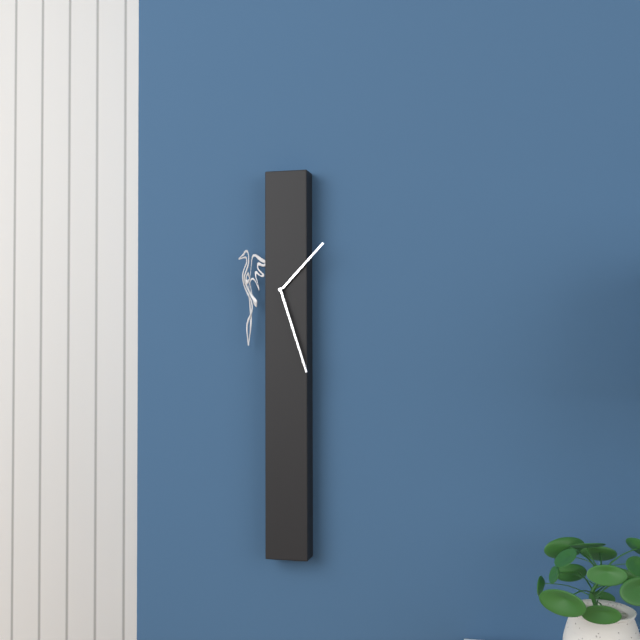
1:27
